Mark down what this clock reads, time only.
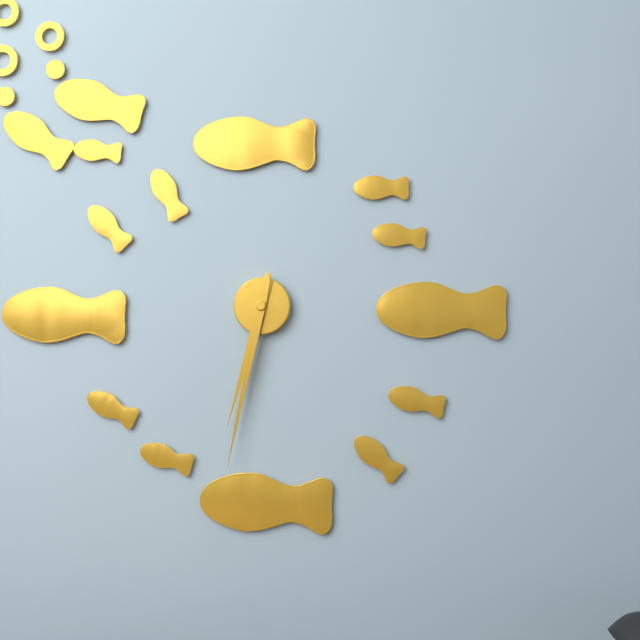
6:32
